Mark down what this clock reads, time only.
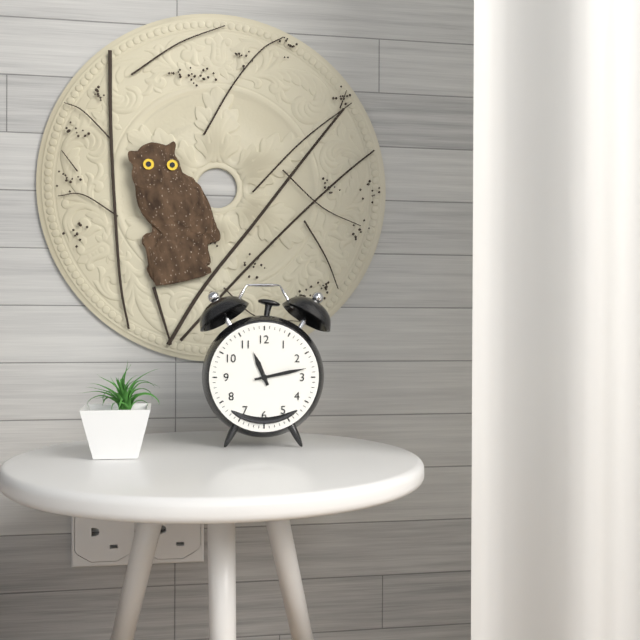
11:13
